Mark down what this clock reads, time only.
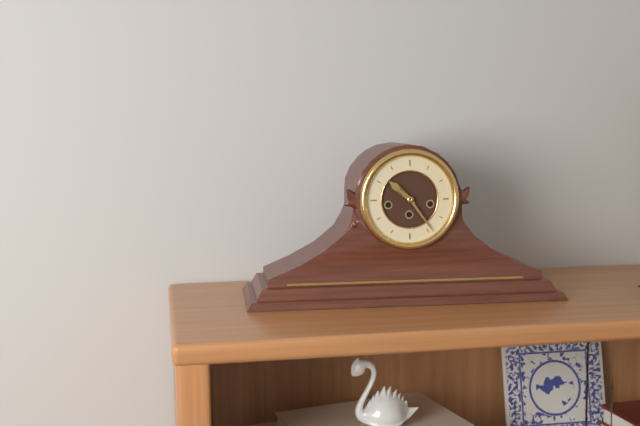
10:24
